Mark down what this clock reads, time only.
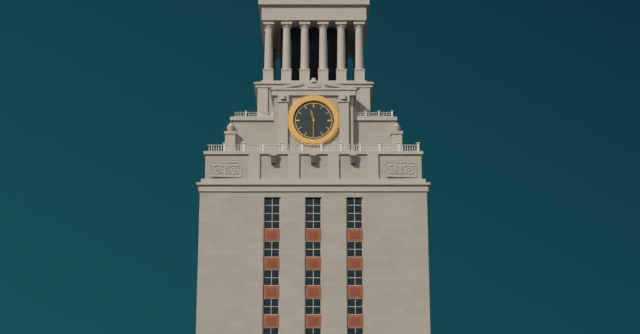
11:30
